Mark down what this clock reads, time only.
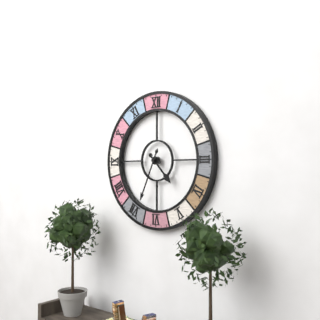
4:34
